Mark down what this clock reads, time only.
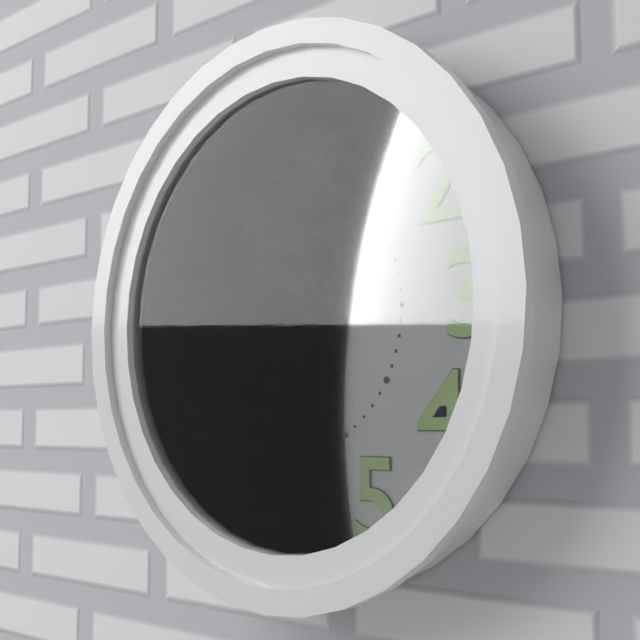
8:43:43
